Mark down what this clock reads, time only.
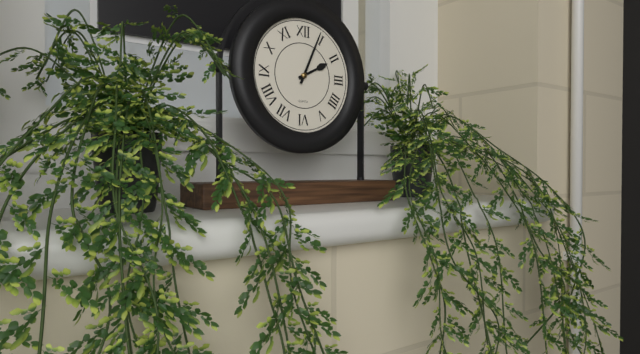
2:04
